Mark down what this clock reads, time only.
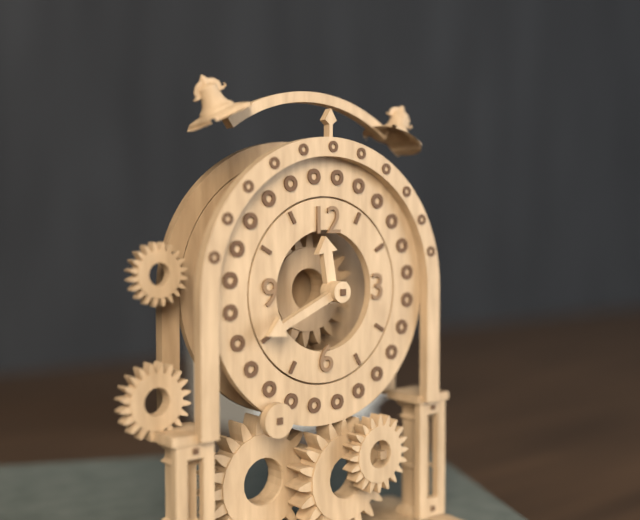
11:41
